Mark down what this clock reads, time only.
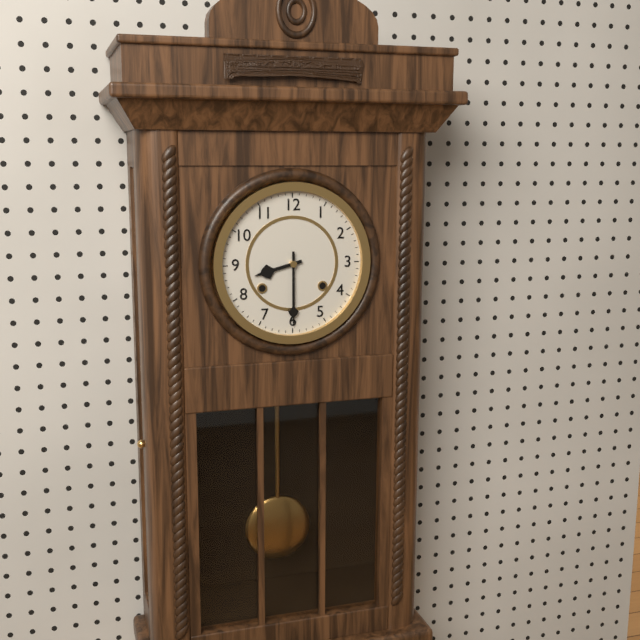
8:30
